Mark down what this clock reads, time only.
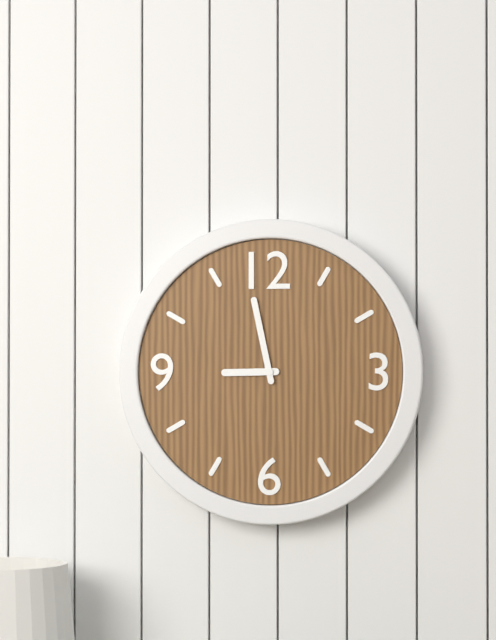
8:58
